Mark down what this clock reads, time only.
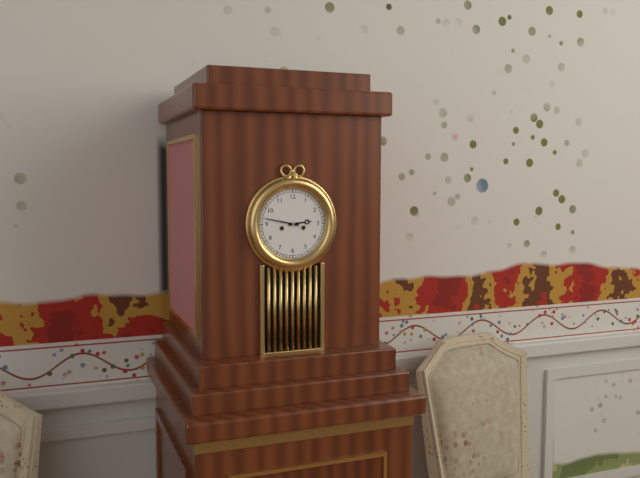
2:47
